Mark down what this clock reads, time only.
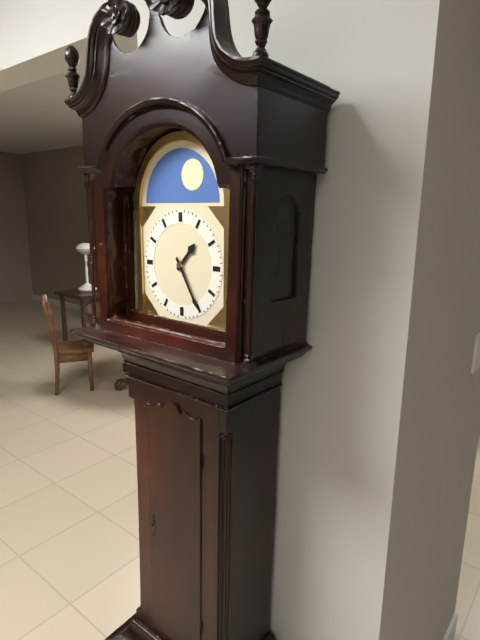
1:25
